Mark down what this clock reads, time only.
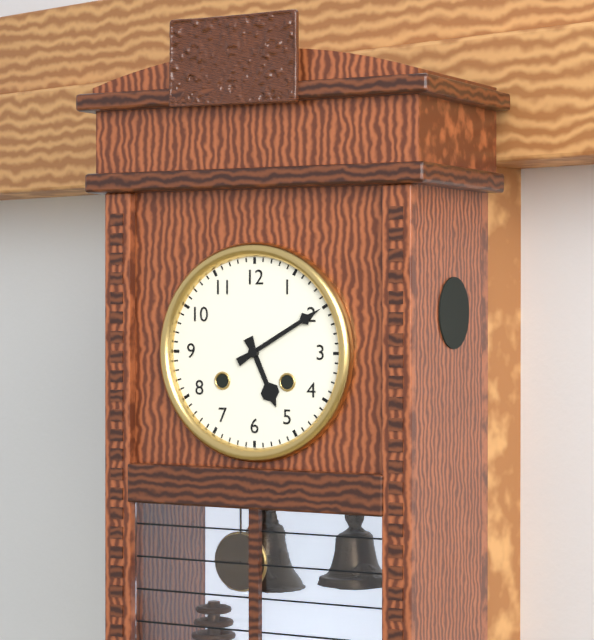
5:10
